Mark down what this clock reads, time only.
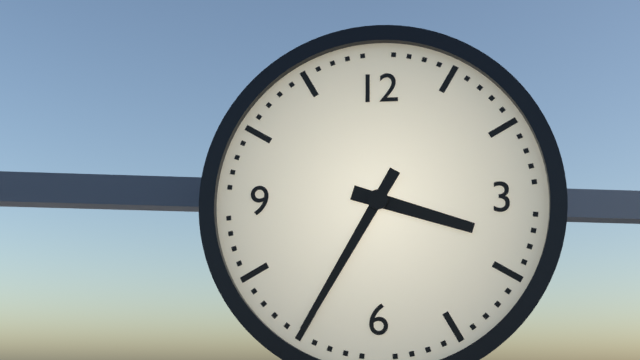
3:35
